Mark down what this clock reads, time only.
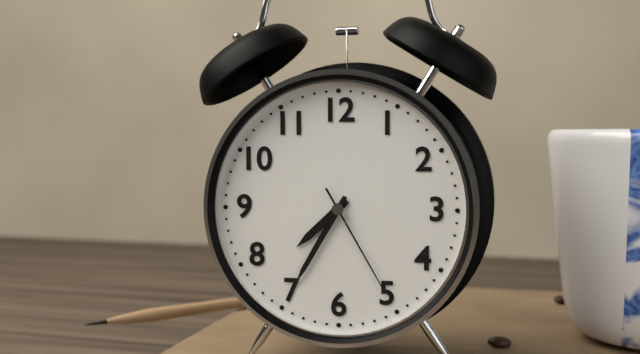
7:35:25
